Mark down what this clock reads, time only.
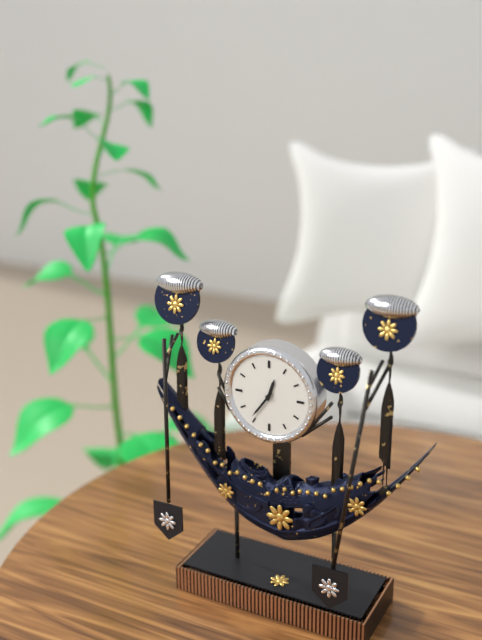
12:36
